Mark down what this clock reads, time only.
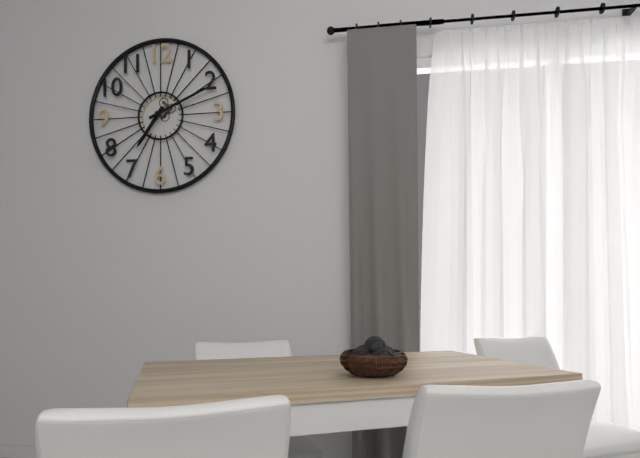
7:11
